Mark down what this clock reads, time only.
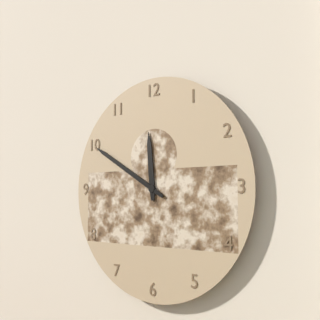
11:50
